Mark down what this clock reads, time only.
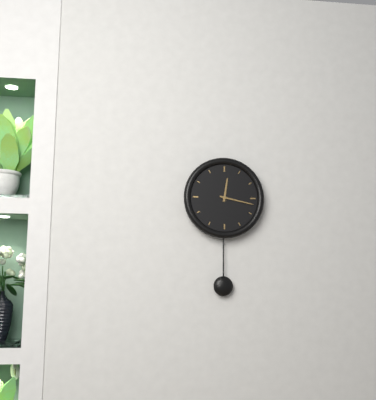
12:17
